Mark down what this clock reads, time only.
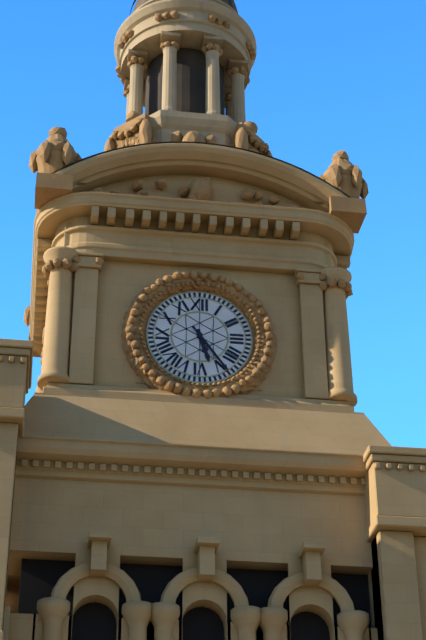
5:24
